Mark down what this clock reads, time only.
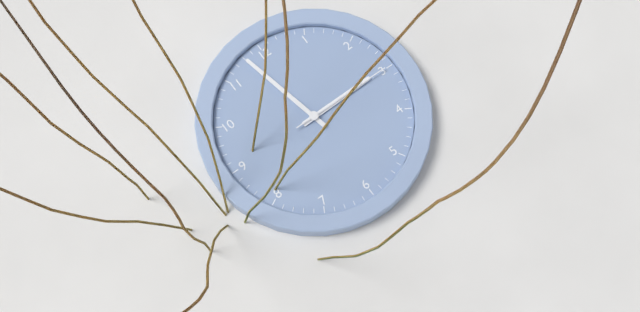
2:58:15
